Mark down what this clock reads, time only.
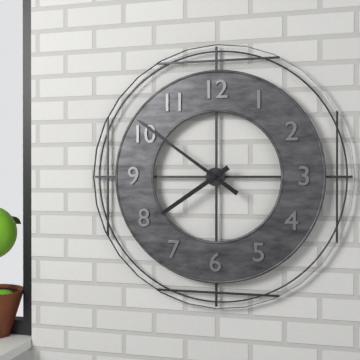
7:51
